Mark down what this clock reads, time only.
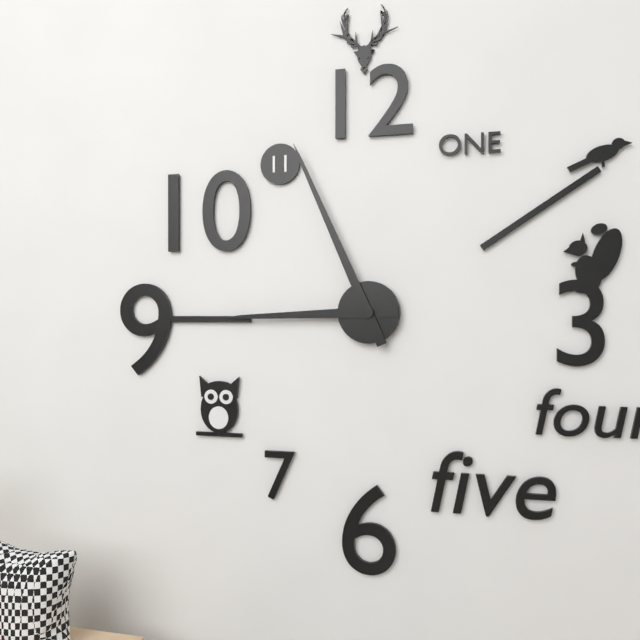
8:56
